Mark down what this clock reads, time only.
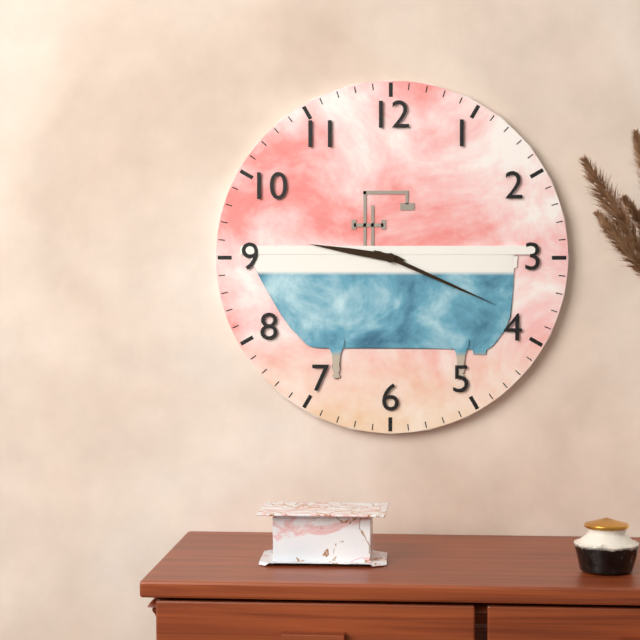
9:19
